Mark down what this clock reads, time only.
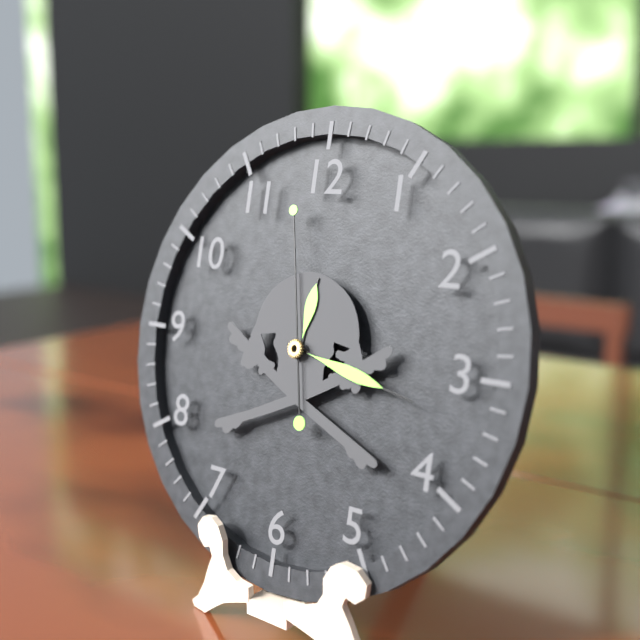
12:17:58
